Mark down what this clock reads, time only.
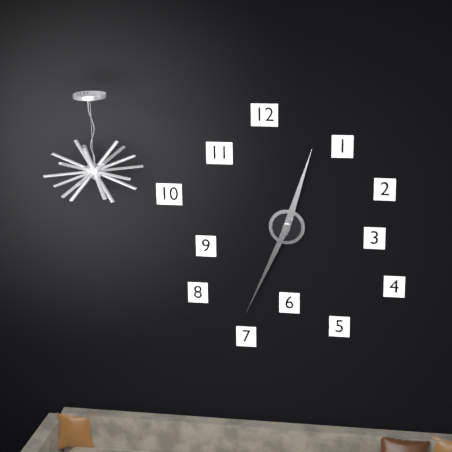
12:34
